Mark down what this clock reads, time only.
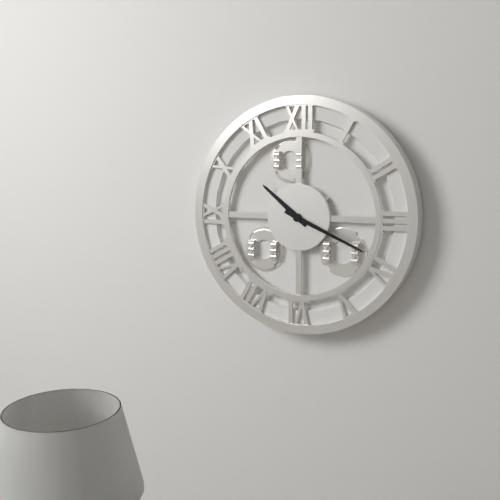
10:19
